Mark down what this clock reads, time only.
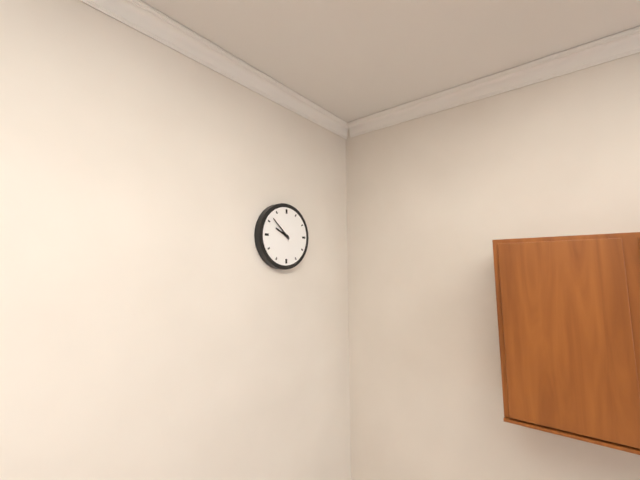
9:52
